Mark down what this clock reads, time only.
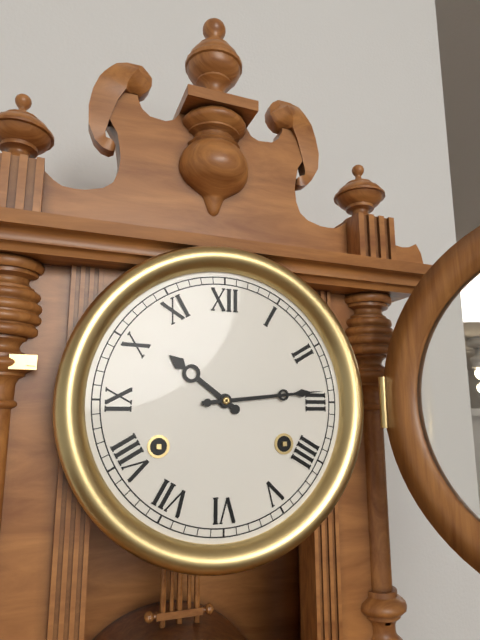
10:14
